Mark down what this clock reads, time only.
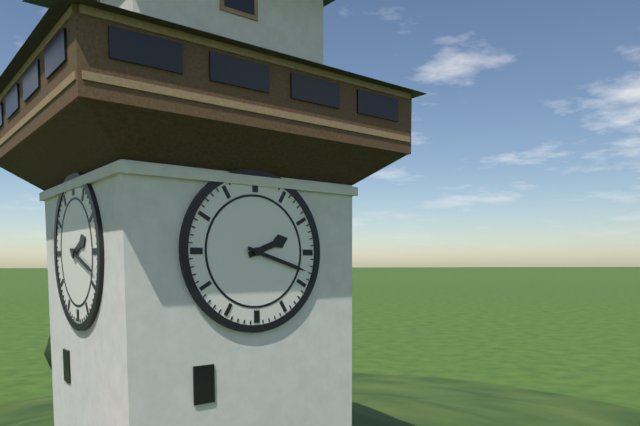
2:18
